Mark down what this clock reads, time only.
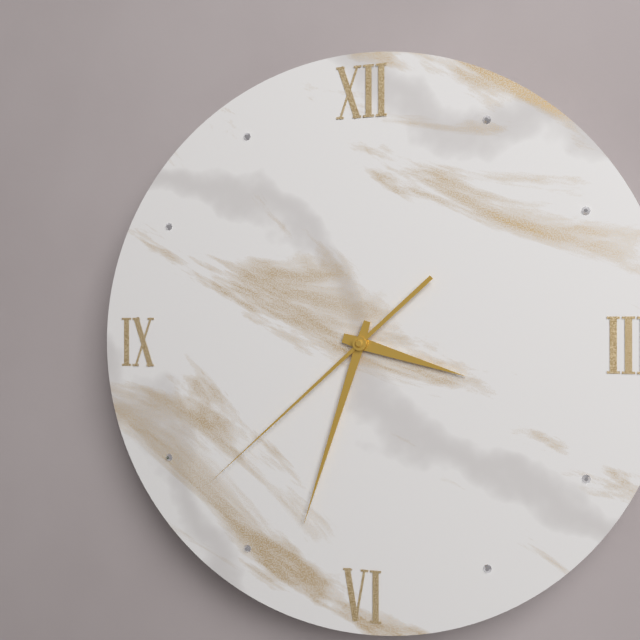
3:33:38
